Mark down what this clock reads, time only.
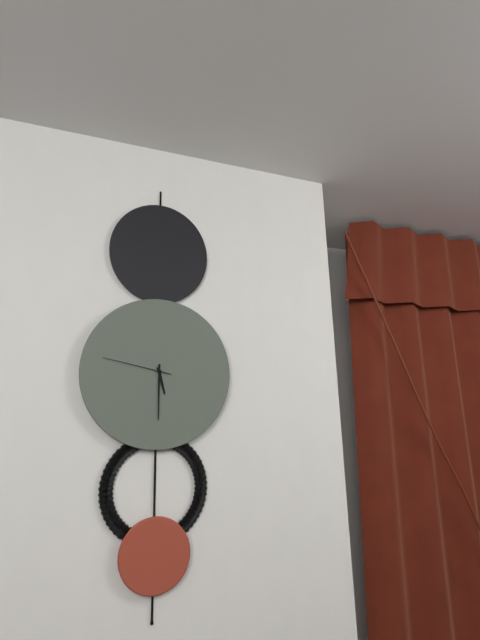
5:30:47
